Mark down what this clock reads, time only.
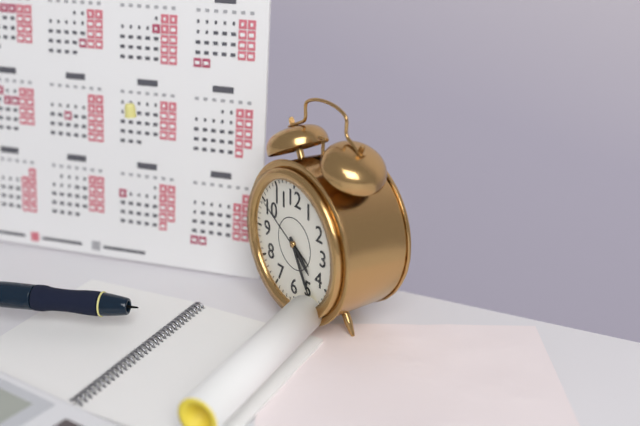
4:25:50
